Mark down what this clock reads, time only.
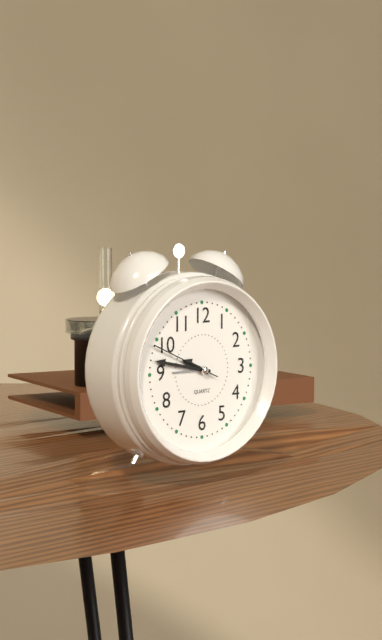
9:47:49
